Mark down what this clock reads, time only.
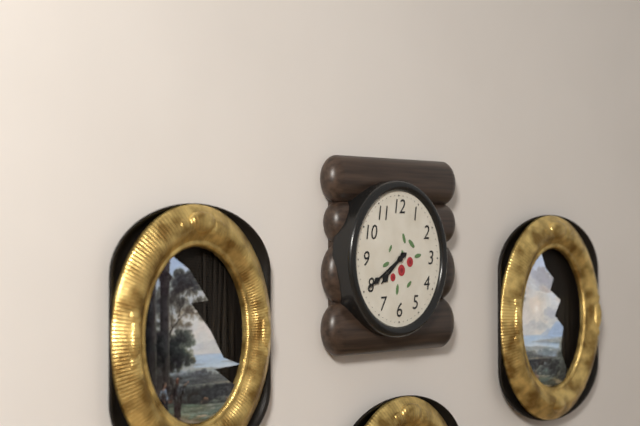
7:40
